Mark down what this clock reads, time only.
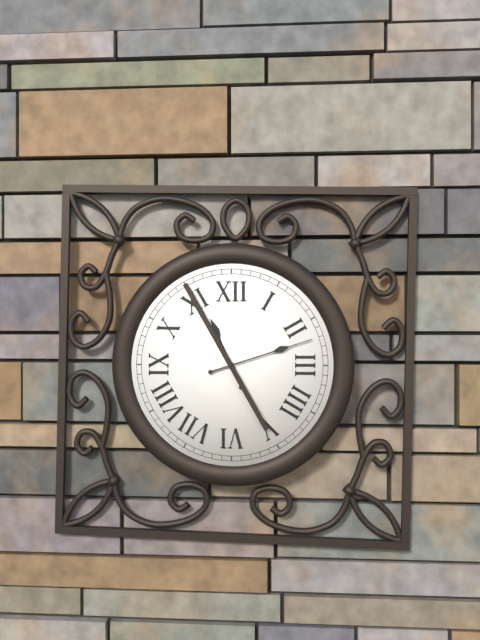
11:12
